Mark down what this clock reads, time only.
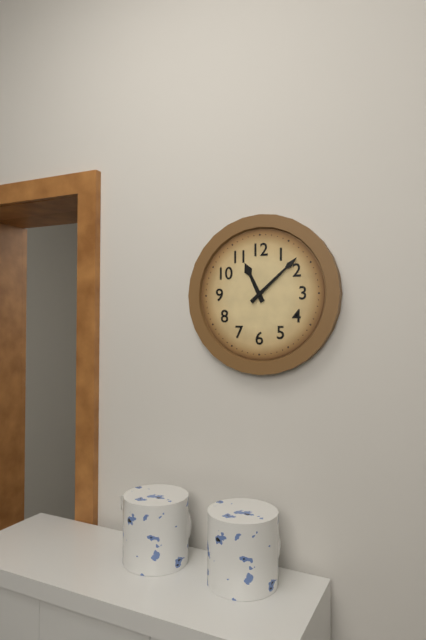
11:08
